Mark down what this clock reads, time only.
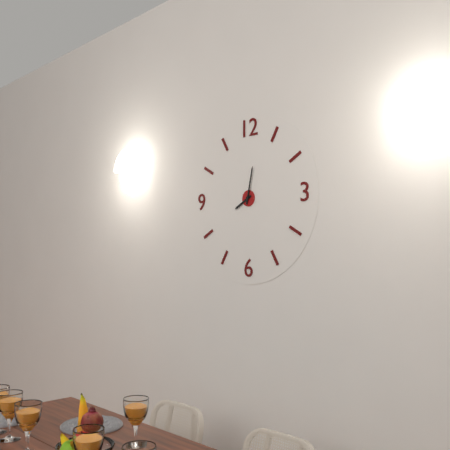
8:02
